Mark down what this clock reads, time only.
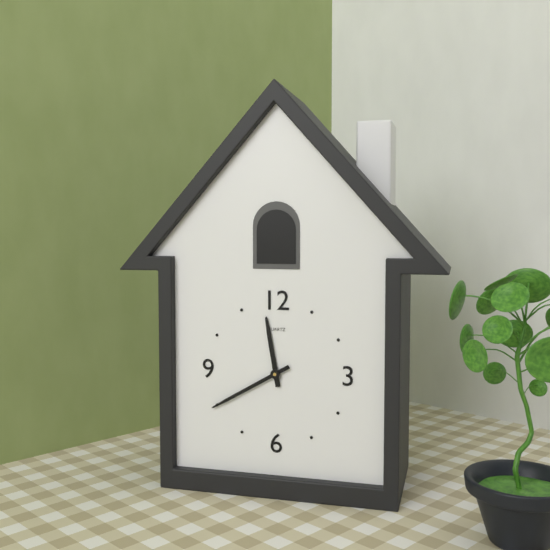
11:40
